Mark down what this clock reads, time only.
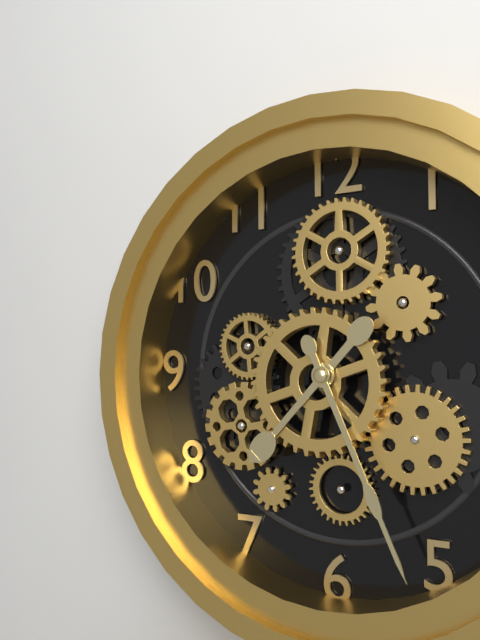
7:26
